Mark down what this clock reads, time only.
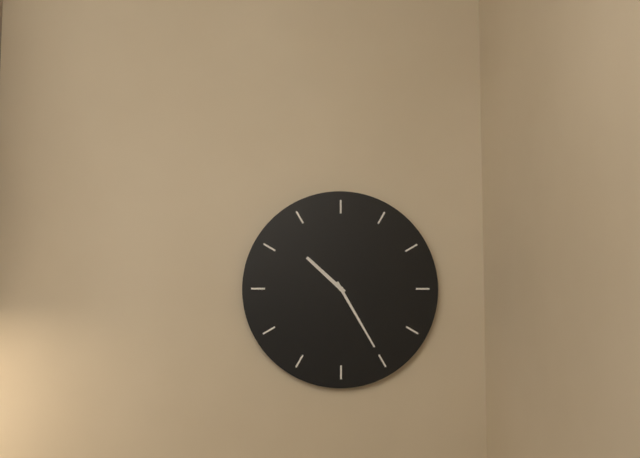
10:25
